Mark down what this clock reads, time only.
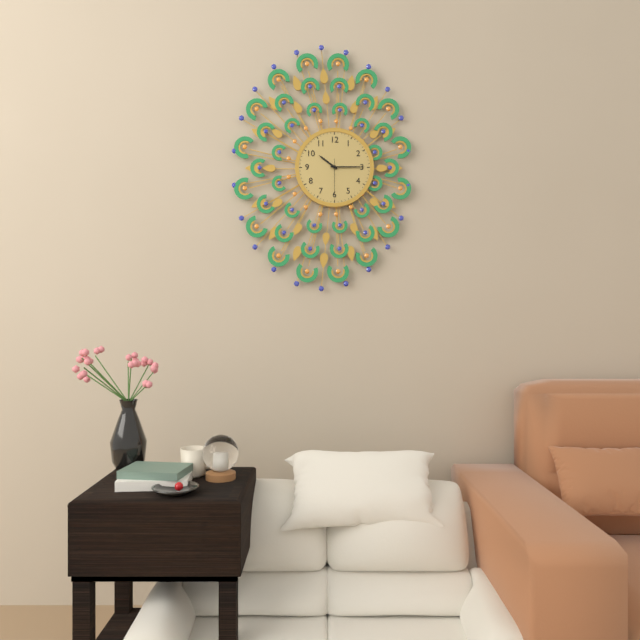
10:15
